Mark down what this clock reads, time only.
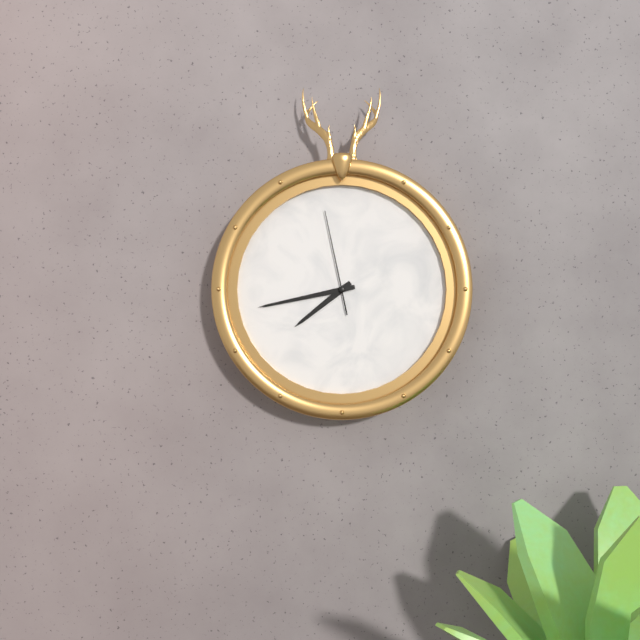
7:43:58
